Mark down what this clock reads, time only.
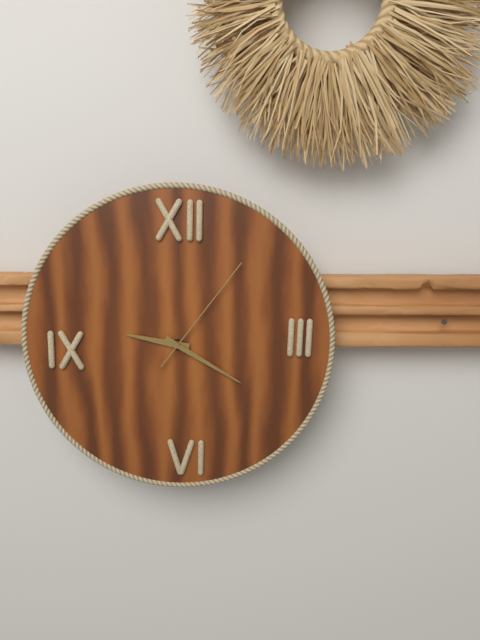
9:20:06
